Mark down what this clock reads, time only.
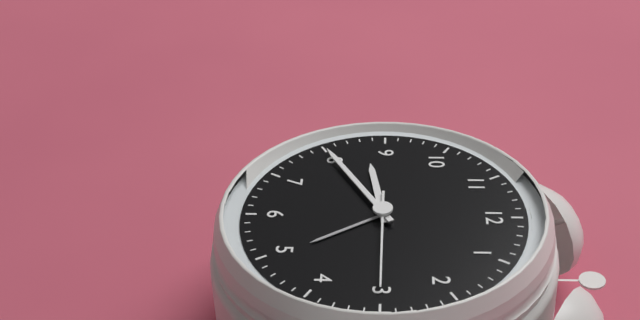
8:40:15
